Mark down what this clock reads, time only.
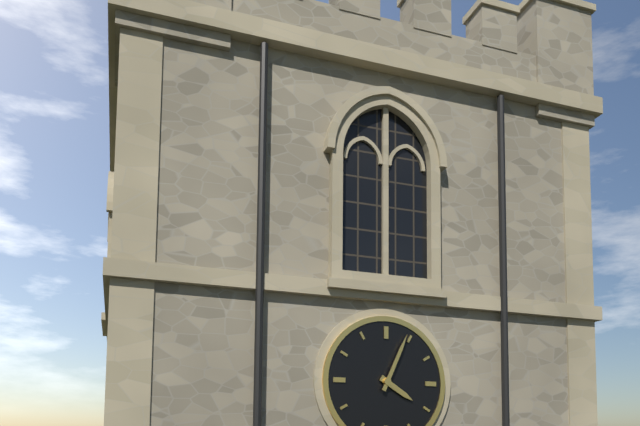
4:04
